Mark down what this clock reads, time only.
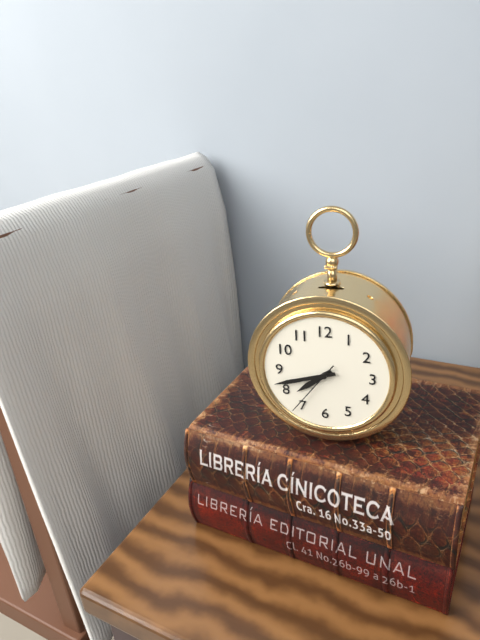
7:42:36
